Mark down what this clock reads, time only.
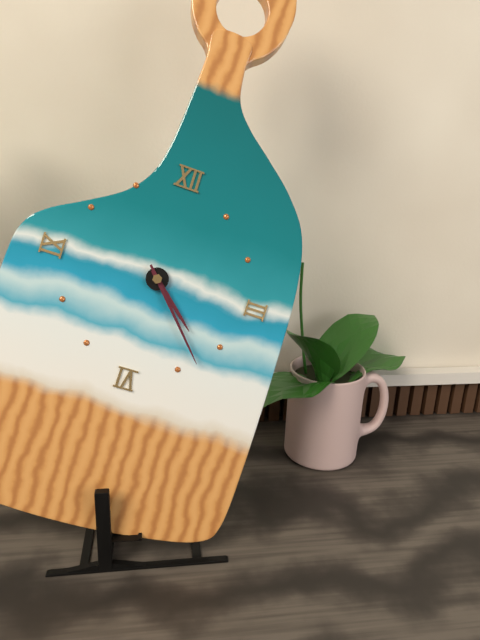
4:23
